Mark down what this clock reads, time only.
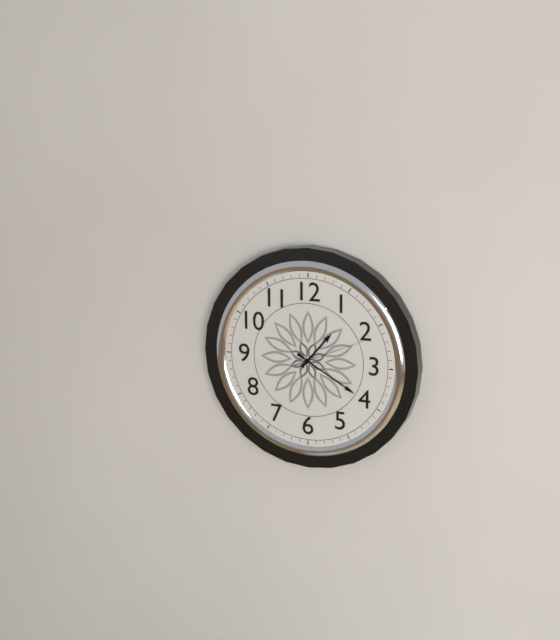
1:20:11
